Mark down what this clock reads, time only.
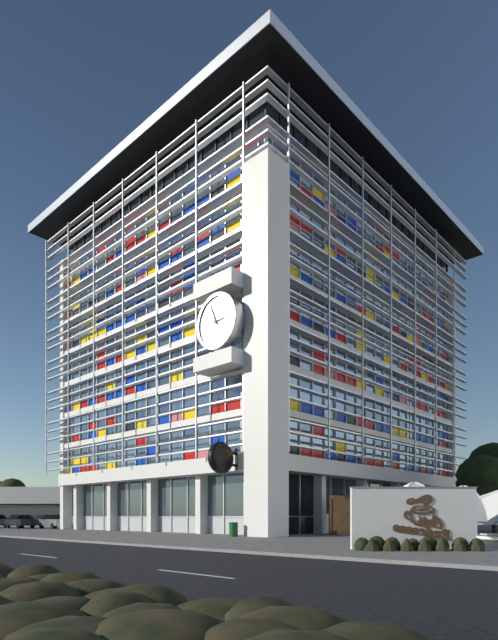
2:56
